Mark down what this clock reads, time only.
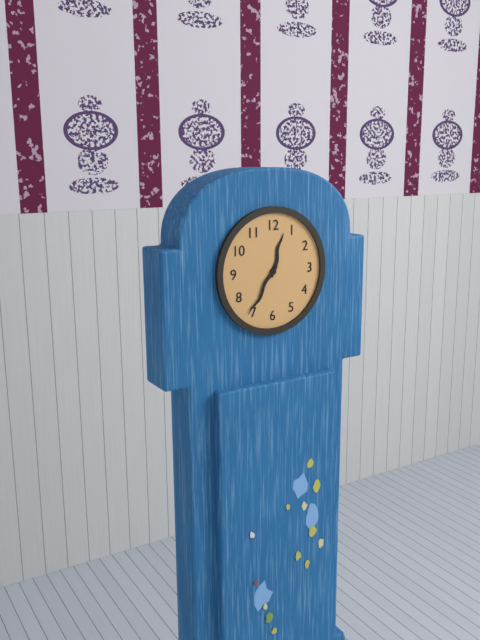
12:36
